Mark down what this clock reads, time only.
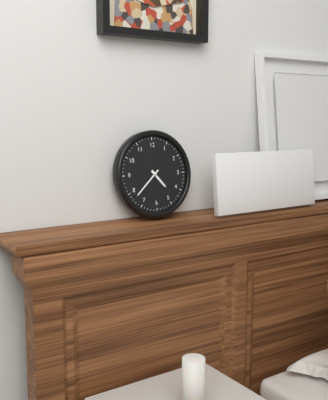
4:38
